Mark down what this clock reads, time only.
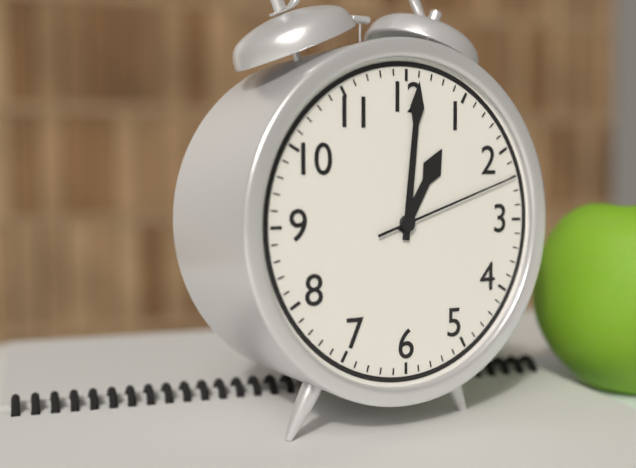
1:01:12
